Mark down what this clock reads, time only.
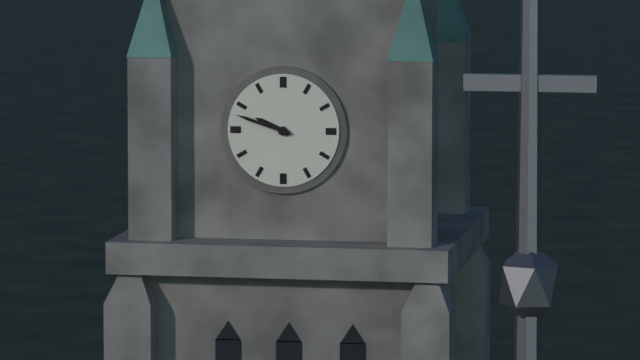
9:48
